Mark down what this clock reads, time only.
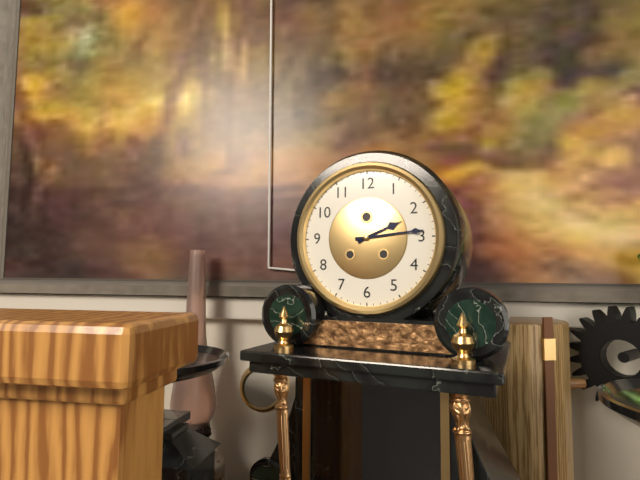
2:14
